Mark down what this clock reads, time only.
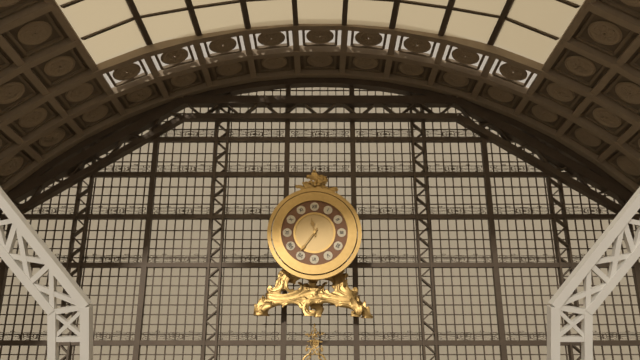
11:36
